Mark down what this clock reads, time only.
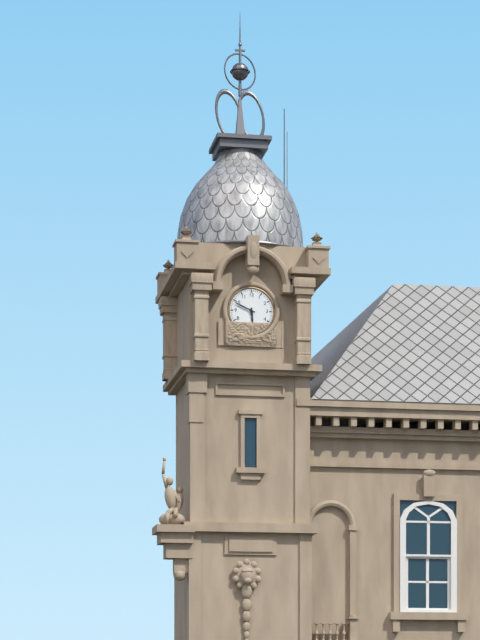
5:49
